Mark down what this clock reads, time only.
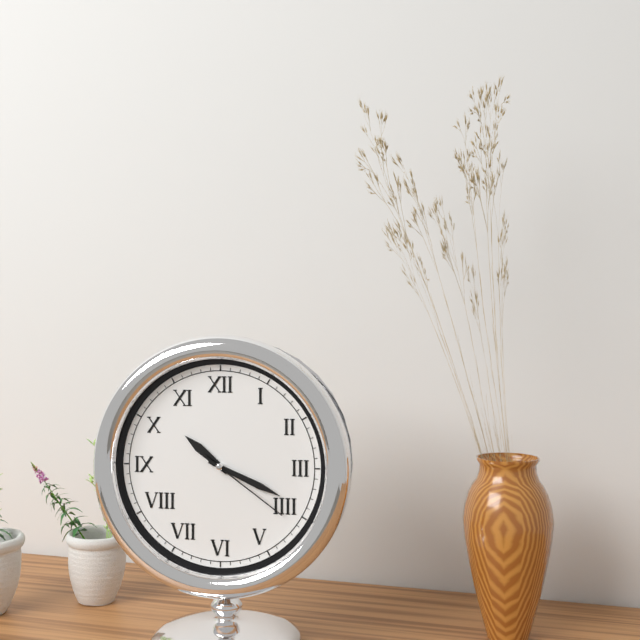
10:19:21
